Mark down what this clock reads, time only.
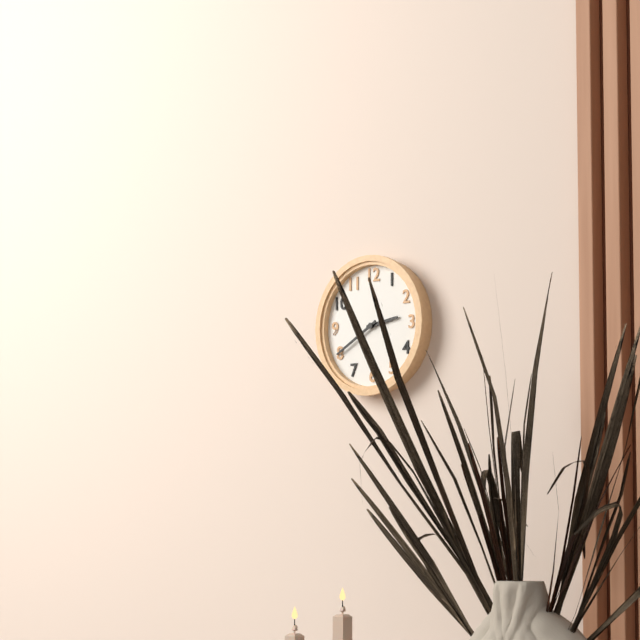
2:40
